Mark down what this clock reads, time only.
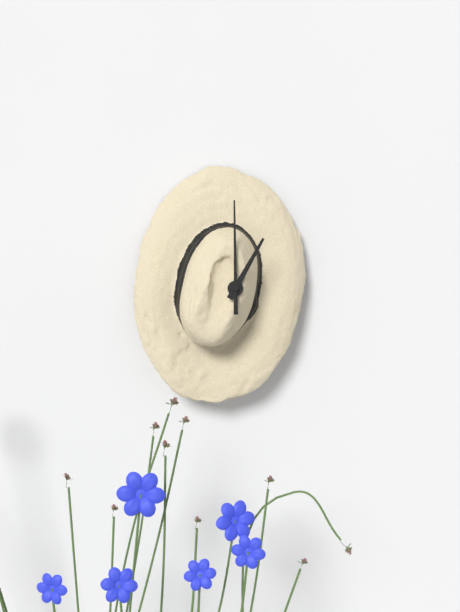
1:00
